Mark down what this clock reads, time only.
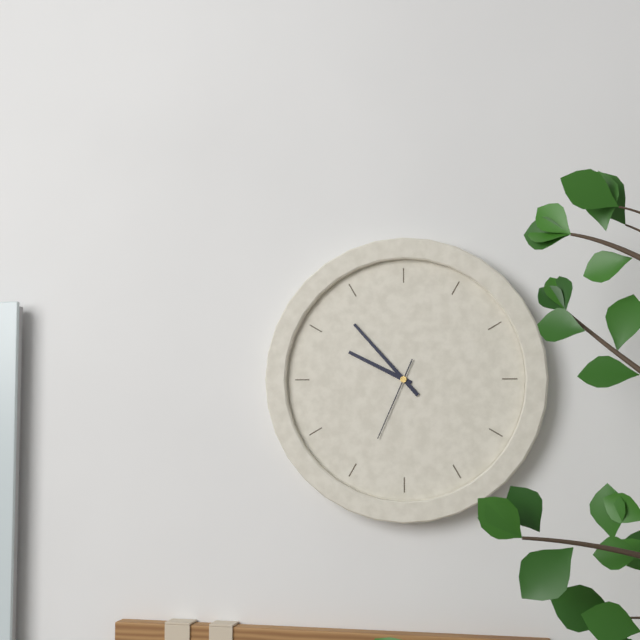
9:53:34
